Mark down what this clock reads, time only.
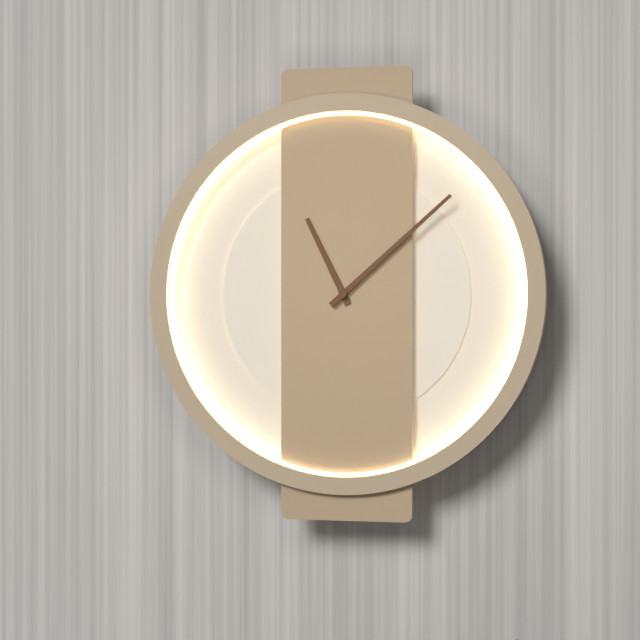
11:08
